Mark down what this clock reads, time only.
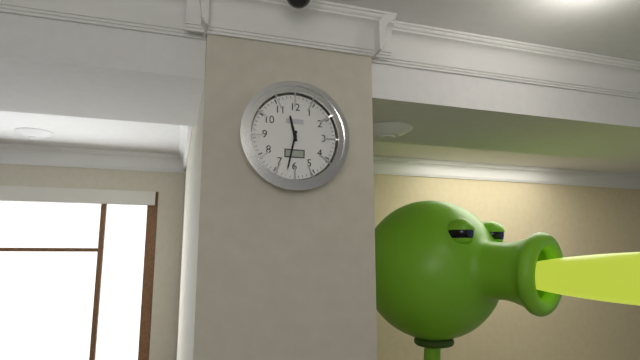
11:32
